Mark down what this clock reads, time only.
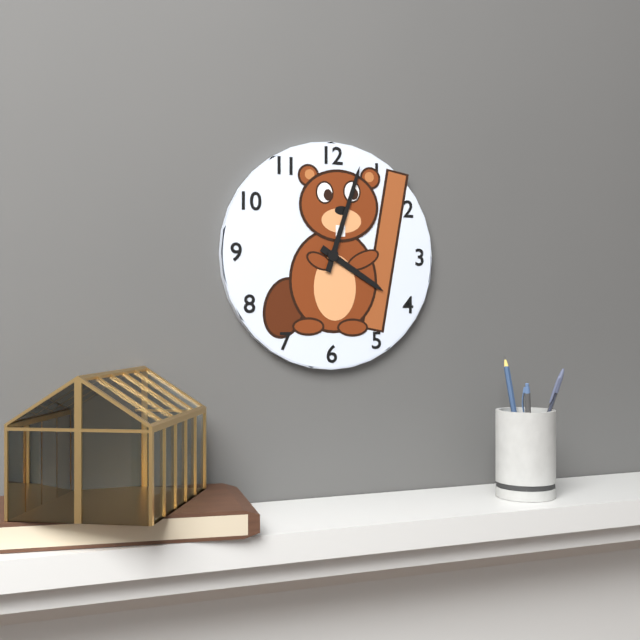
4:03
